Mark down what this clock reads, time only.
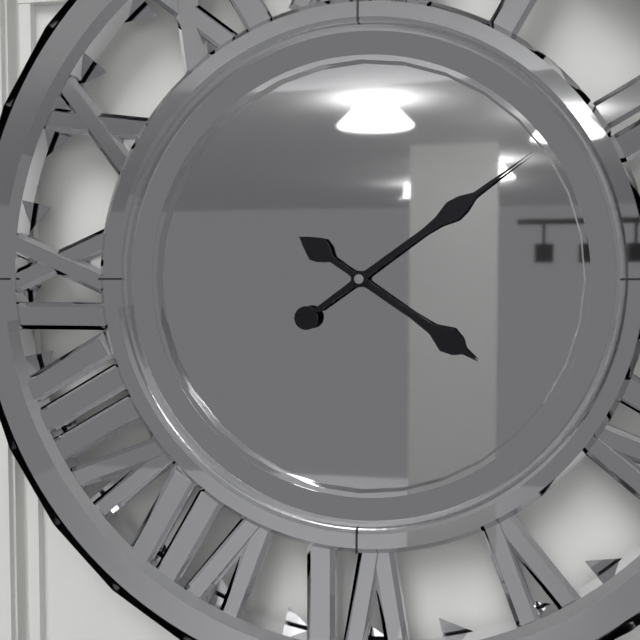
4:09
